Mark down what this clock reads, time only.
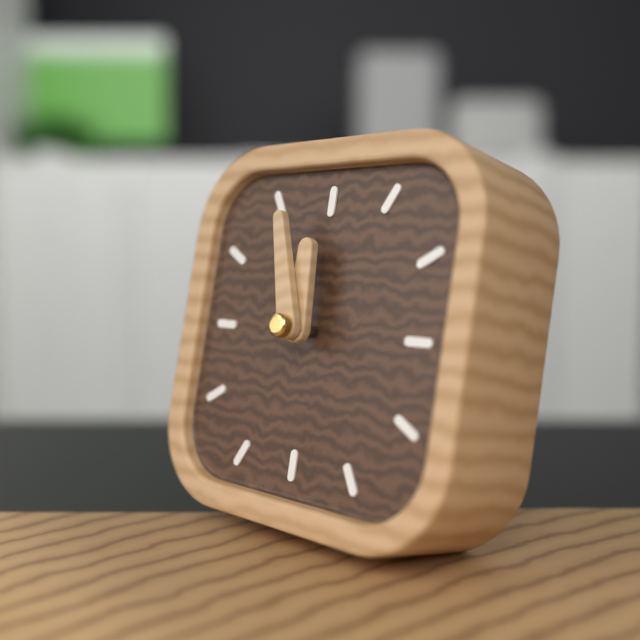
11:57
